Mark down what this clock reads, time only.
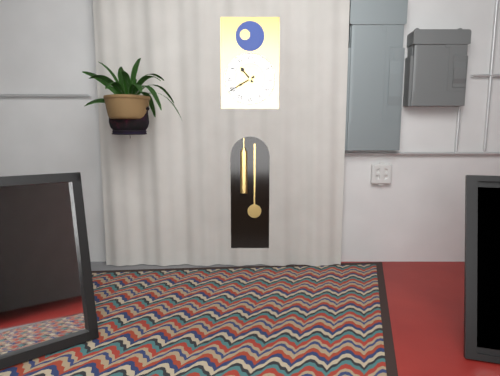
10:40
